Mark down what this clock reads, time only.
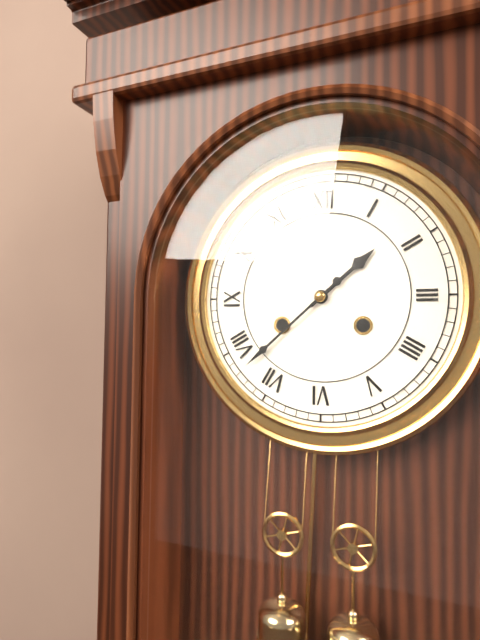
1:38
